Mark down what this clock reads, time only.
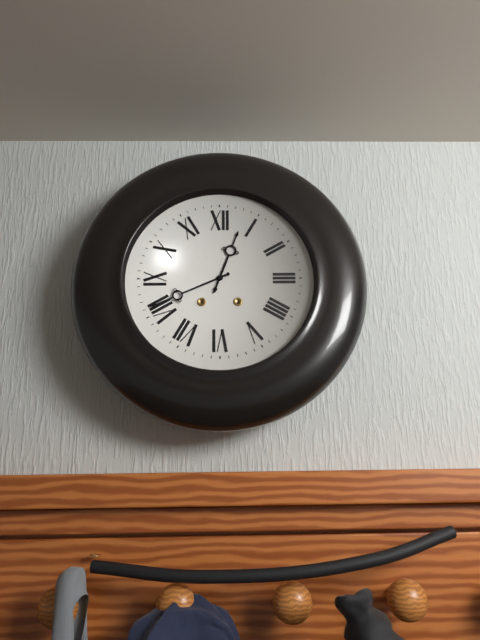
12:41
